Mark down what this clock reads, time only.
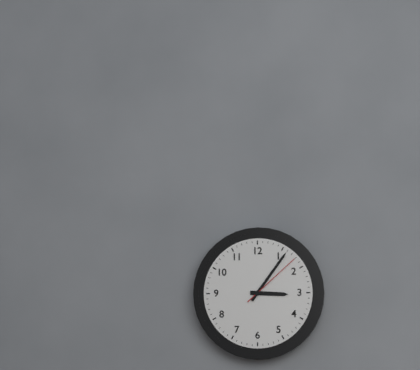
3:06:08
